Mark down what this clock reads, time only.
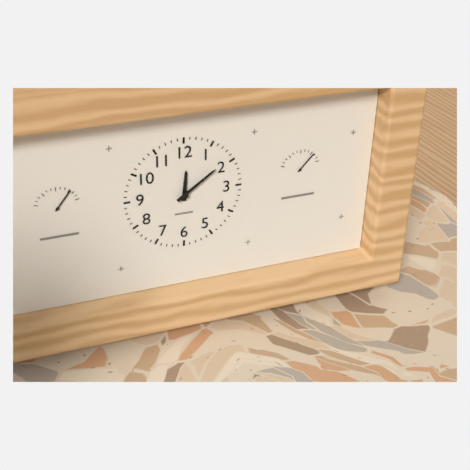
12:09
